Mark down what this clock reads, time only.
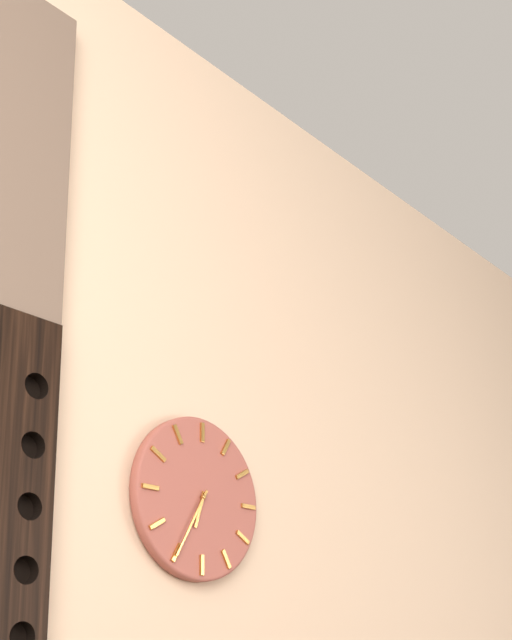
6:35
